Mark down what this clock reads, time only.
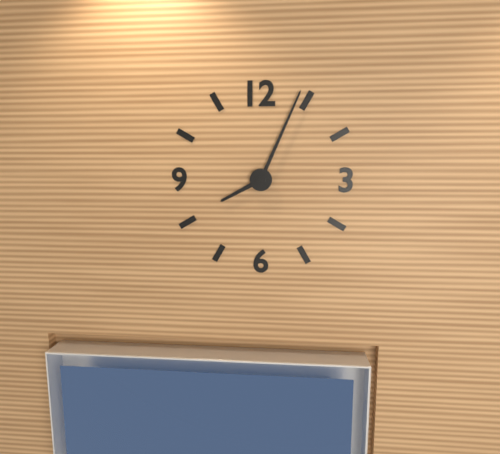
8:04
